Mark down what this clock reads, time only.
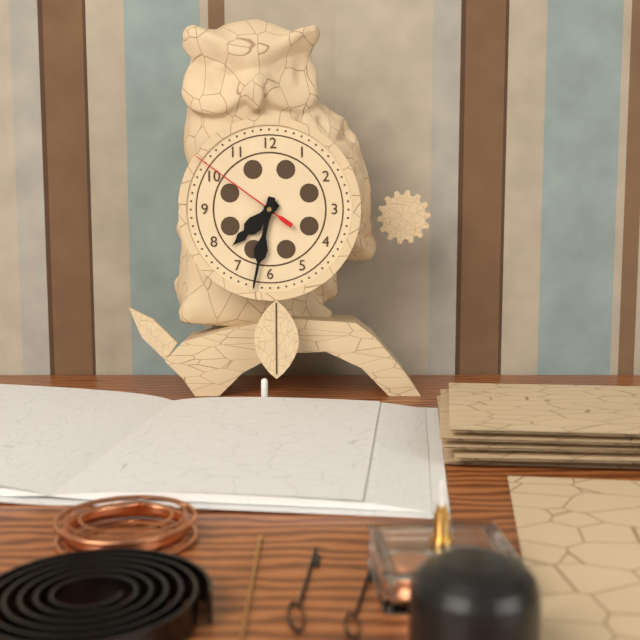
7:32:51
